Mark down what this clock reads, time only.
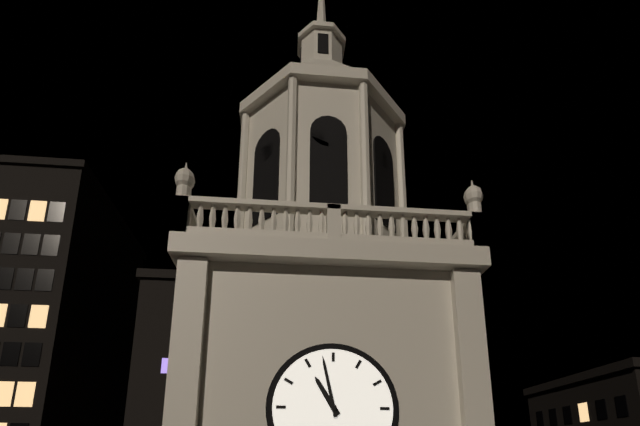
10:58
